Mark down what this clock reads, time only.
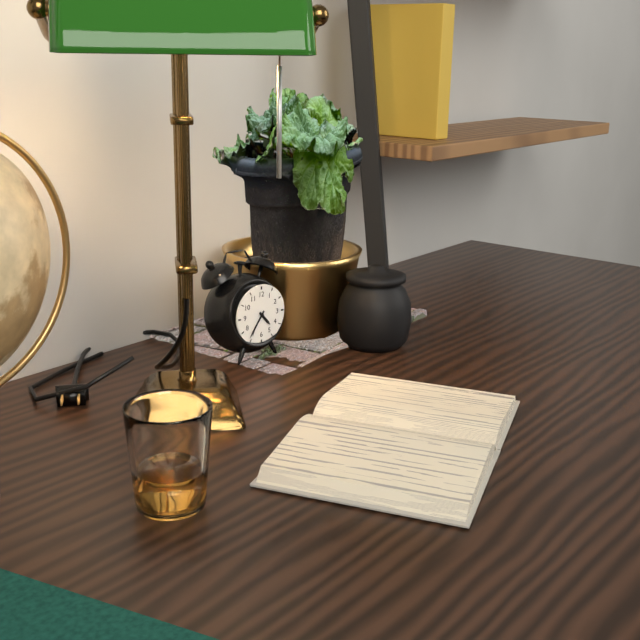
4:36
